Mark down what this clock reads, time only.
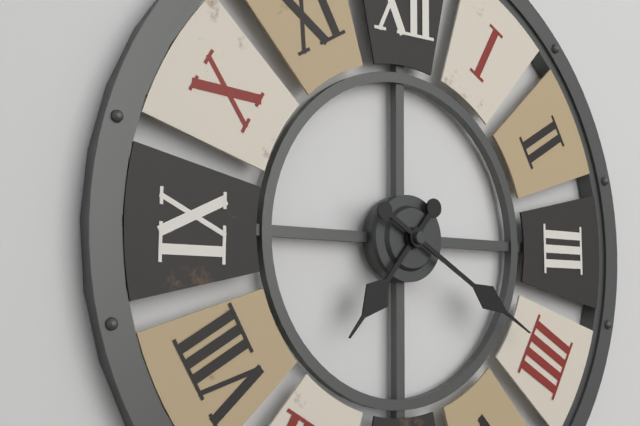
7:20
